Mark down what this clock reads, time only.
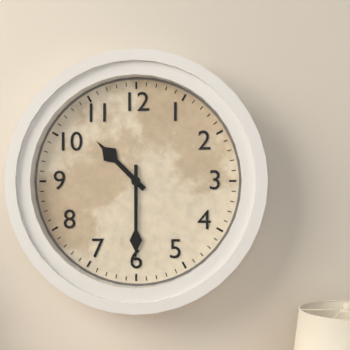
10:30
